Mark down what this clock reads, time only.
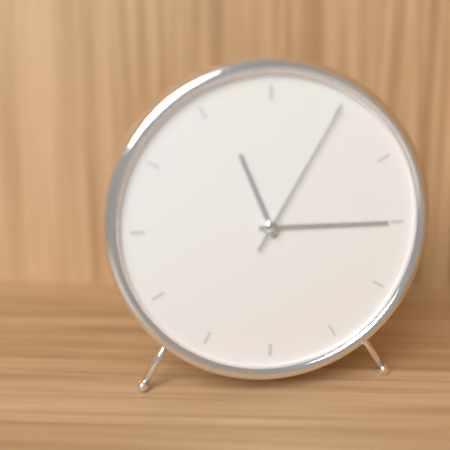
11:15:05
